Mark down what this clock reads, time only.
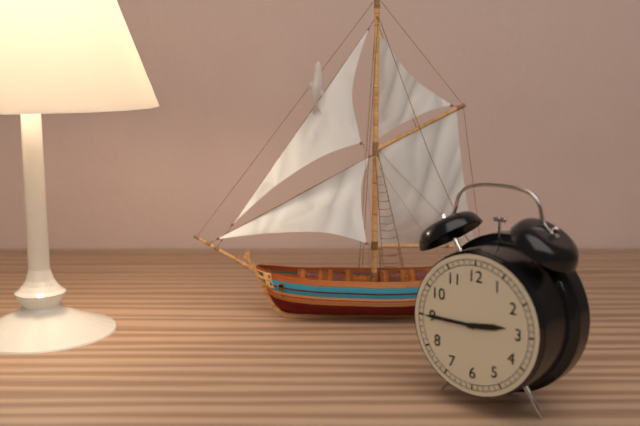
2:45
